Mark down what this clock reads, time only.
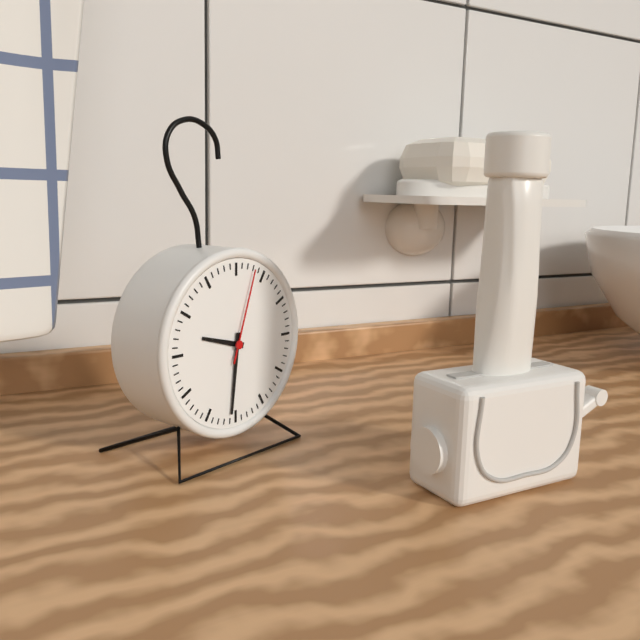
9:31:03
